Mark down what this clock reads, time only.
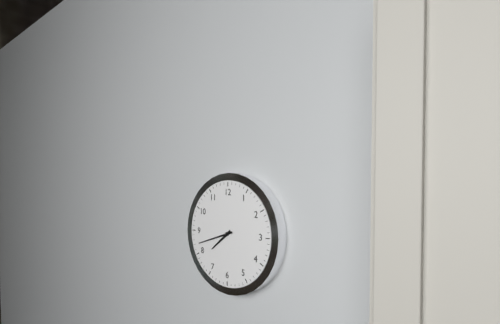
7:42
